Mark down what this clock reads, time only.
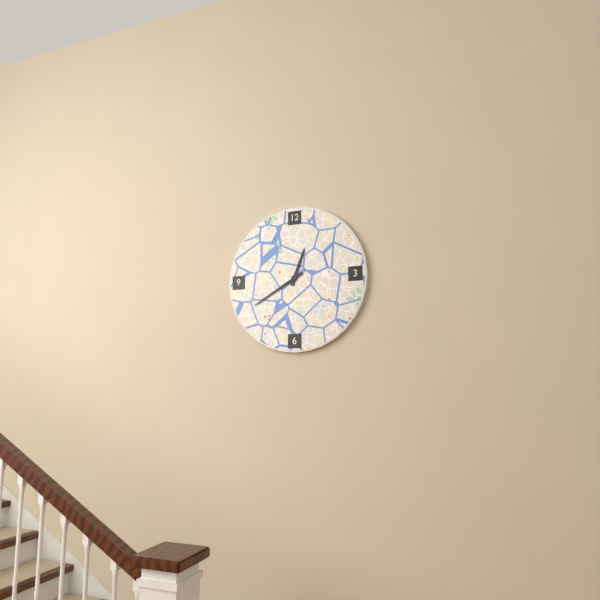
12:40
